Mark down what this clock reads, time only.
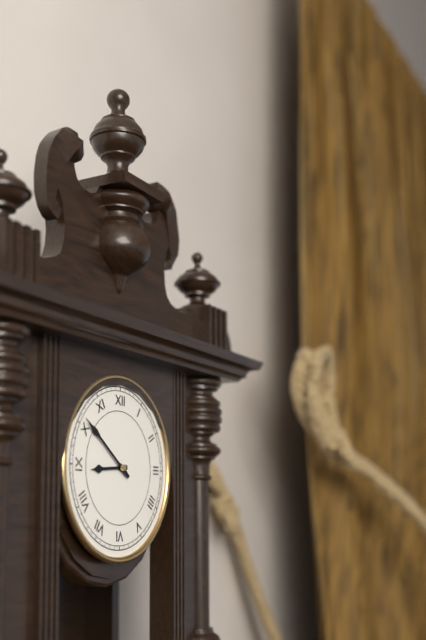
8:51
